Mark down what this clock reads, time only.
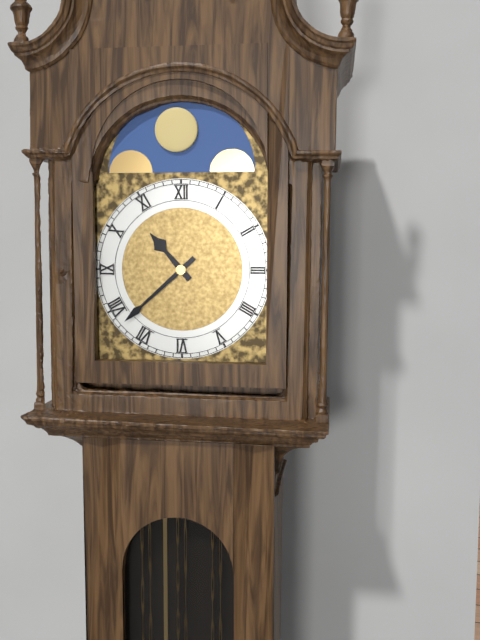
10:38
